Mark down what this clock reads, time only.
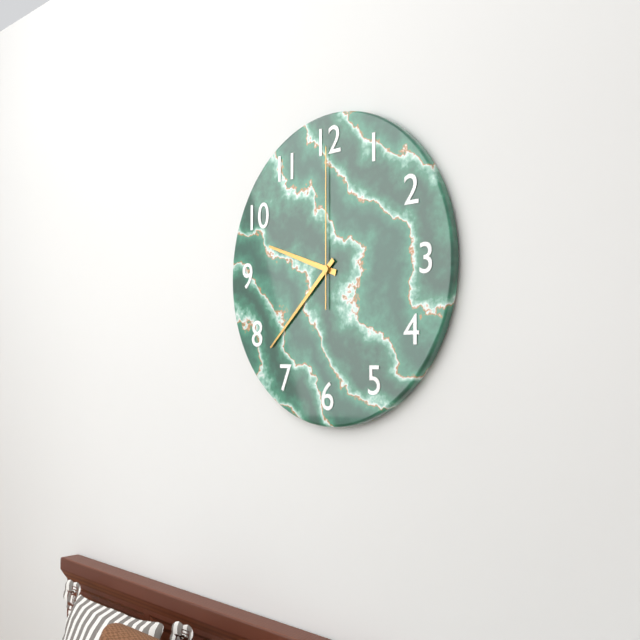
9:38:00
